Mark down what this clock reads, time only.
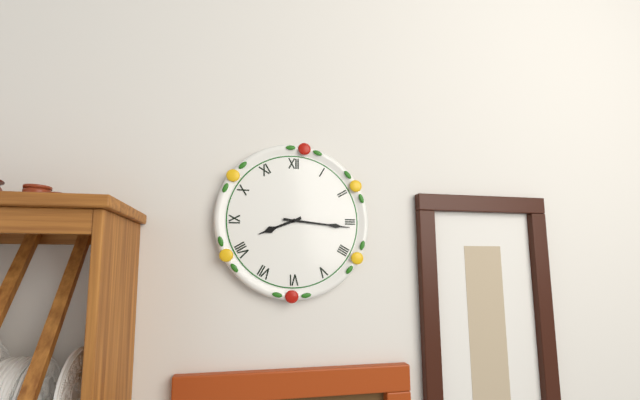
8:16
